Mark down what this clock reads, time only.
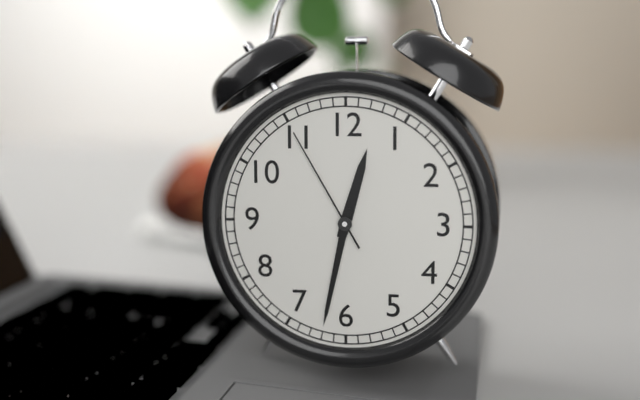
12:32:55
